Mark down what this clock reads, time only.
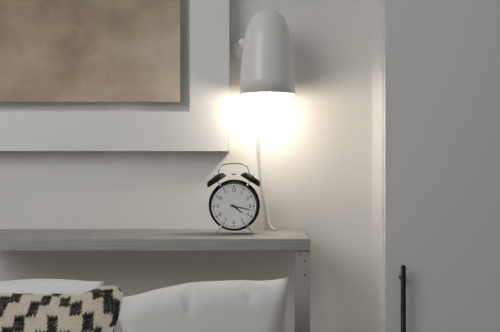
4:17
